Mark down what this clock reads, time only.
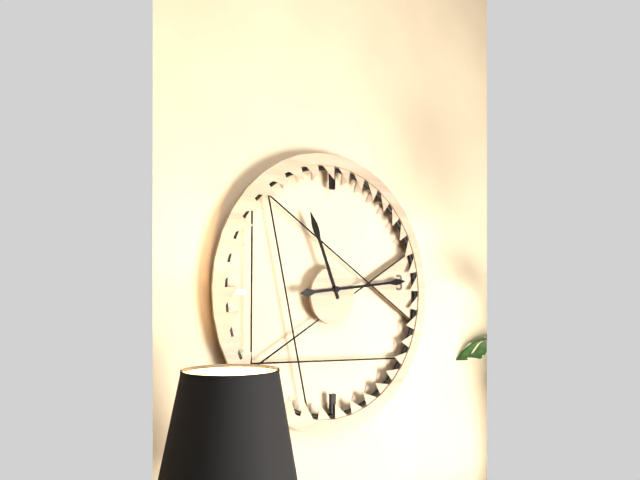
11:14
